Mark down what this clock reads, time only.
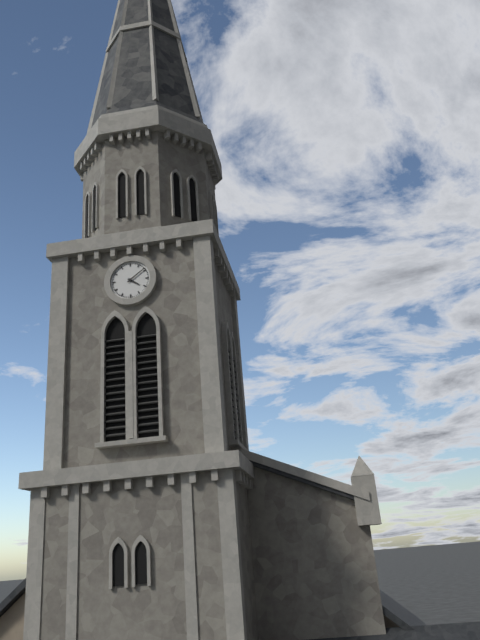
4:09
